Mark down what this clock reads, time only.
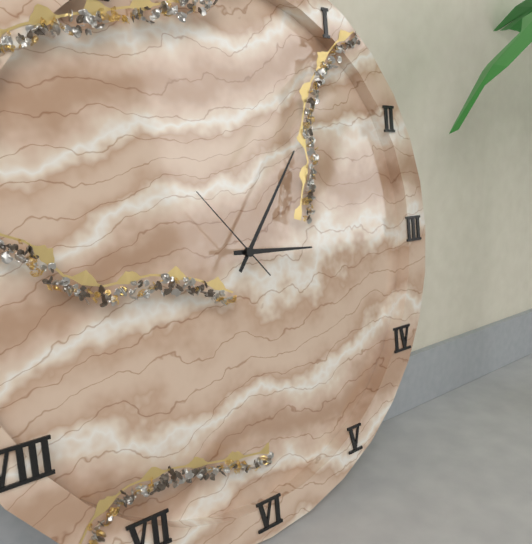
3:06:53
